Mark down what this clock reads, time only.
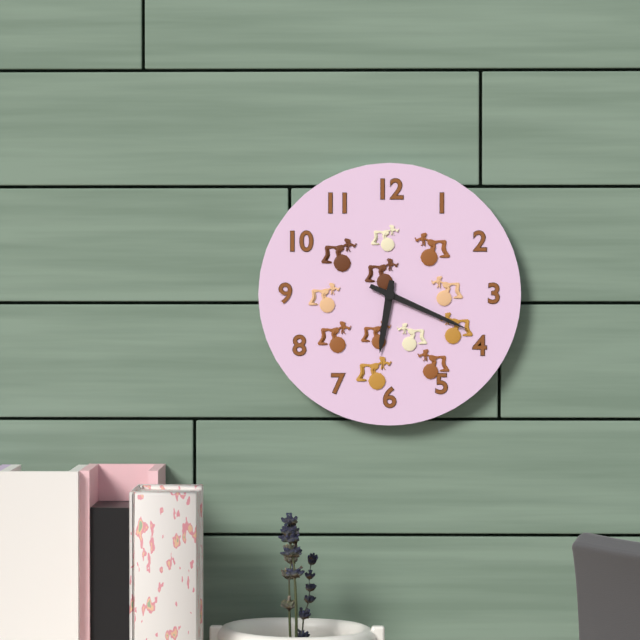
6:19
